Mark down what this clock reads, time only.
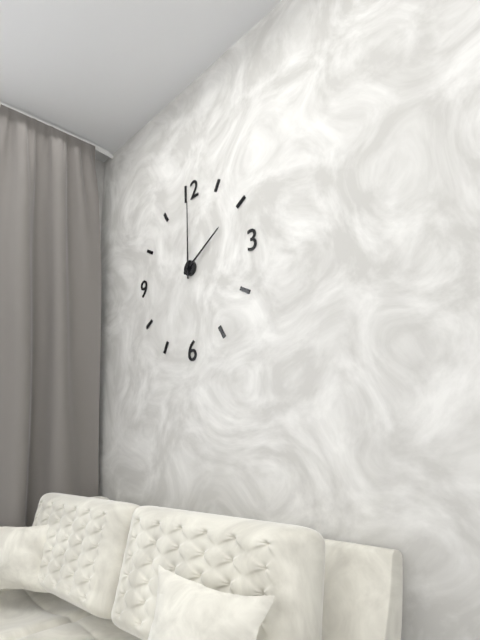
2:00
